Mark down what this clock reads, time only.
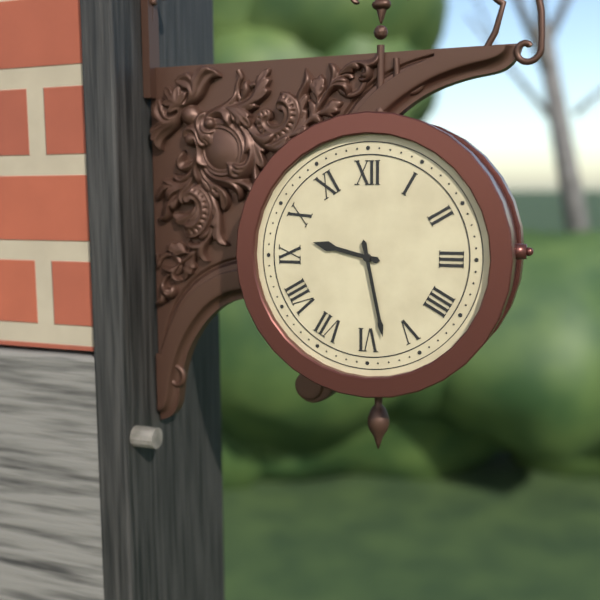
9:28
